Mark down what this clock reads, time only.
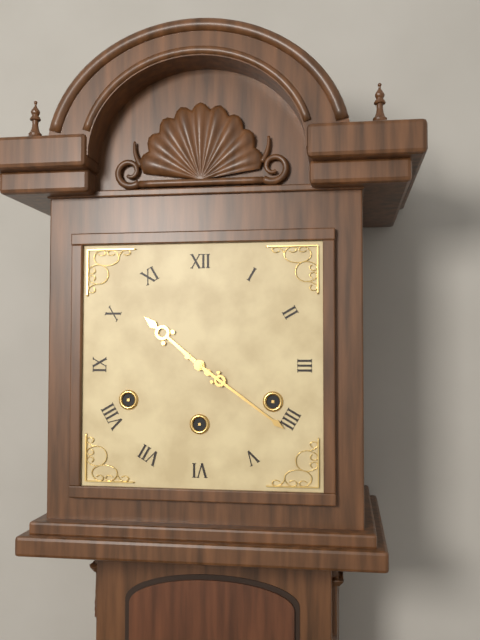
10:21
